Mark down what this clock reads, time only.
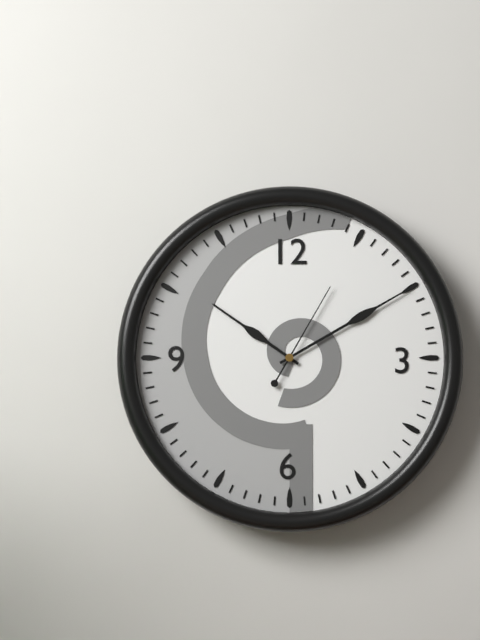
10:10:05
